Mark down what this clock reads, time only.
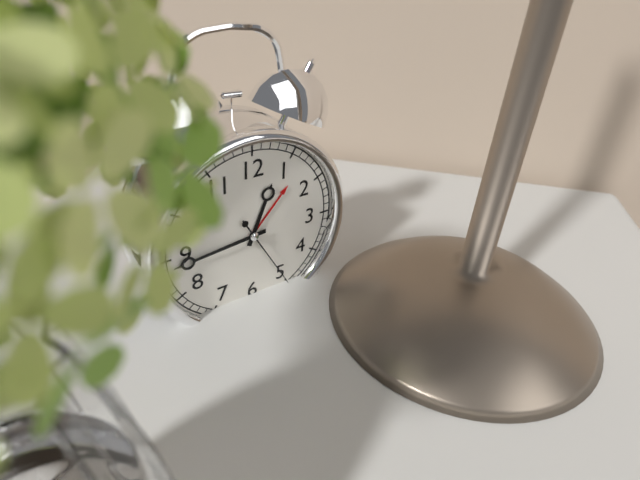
12:44:25
